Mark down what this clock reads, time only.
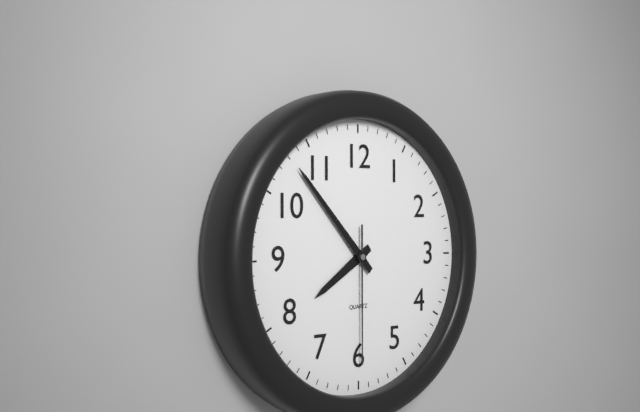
7:53:30
